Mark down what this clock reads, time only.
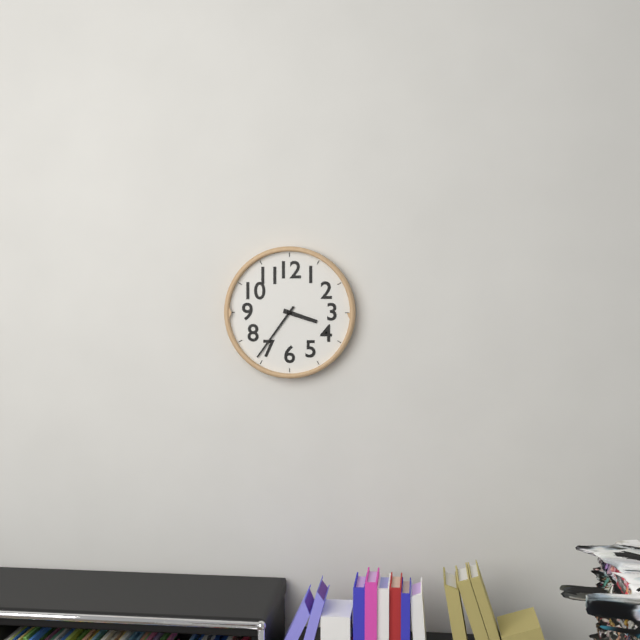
3:36
